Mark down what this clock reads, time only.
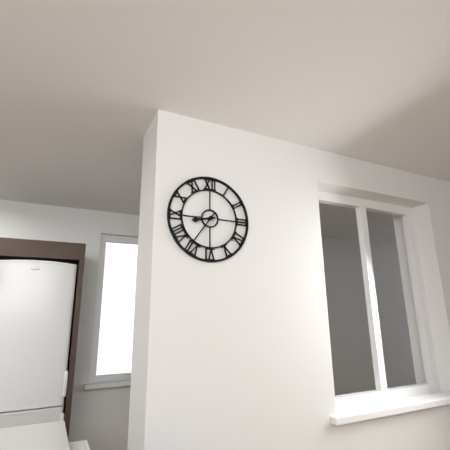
8:36
